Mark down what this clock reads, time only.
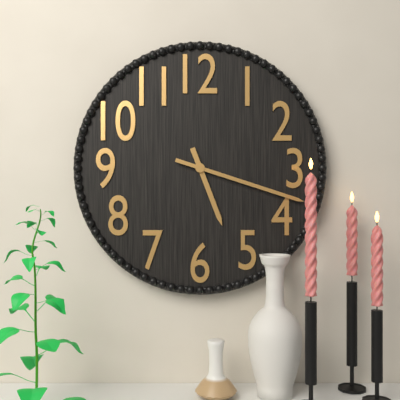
5:18
